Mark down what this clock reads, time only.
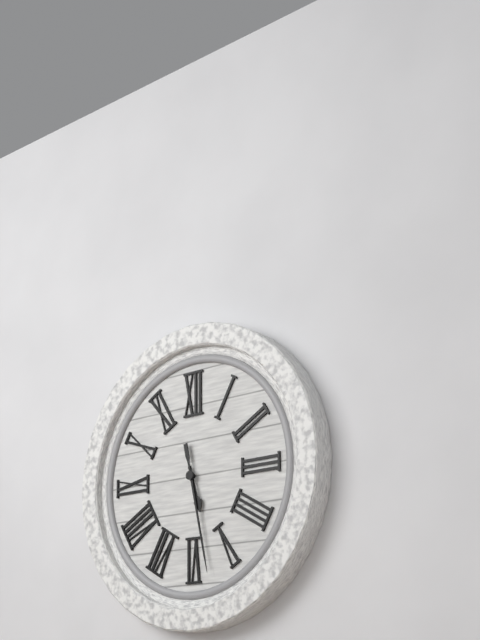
5:28
